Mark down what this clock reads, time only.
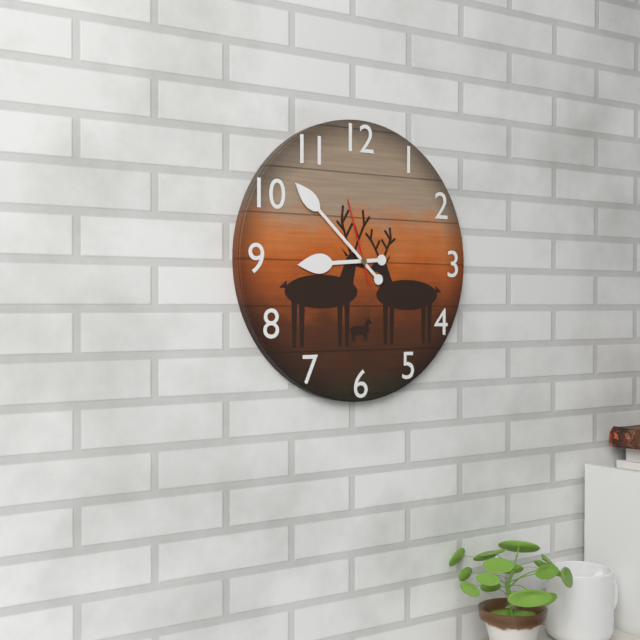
8:52:57
